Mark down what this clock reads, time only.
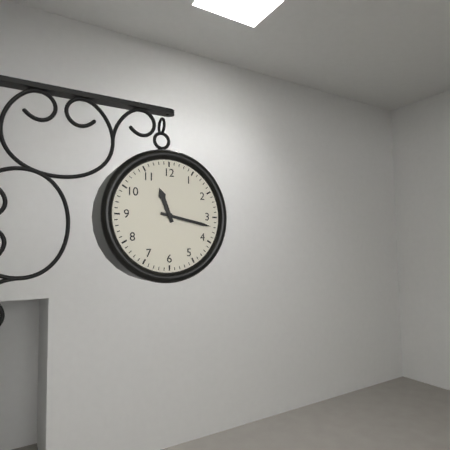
11:17
